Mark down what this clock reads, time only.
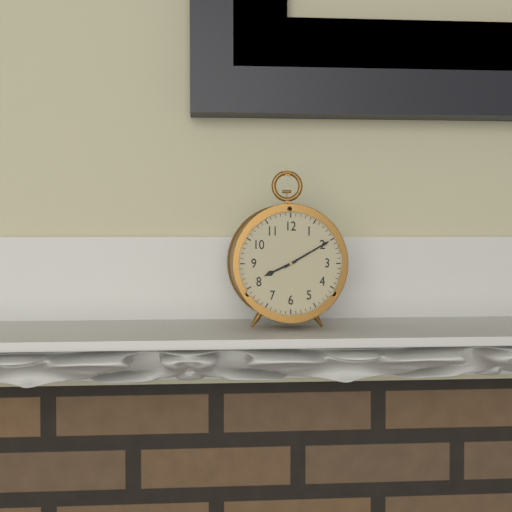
8:10
